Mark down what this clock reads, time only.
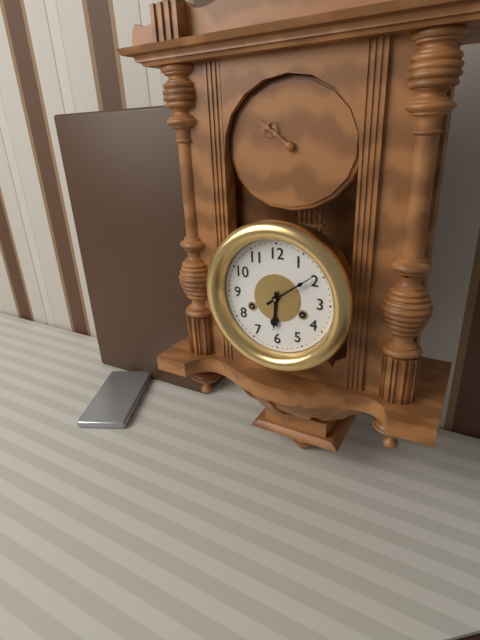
6:09
